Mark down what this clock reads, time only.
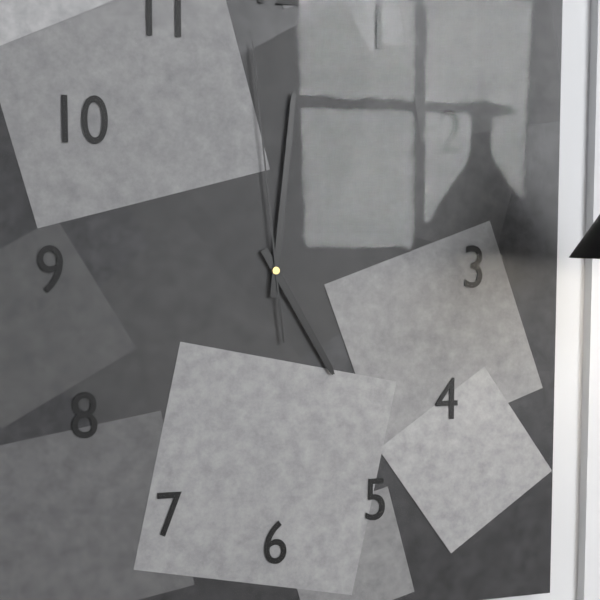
5:01:59
